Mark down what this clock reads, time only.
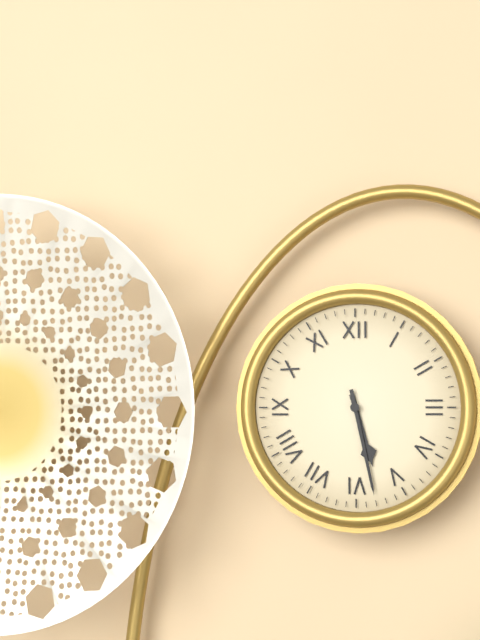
5:28
